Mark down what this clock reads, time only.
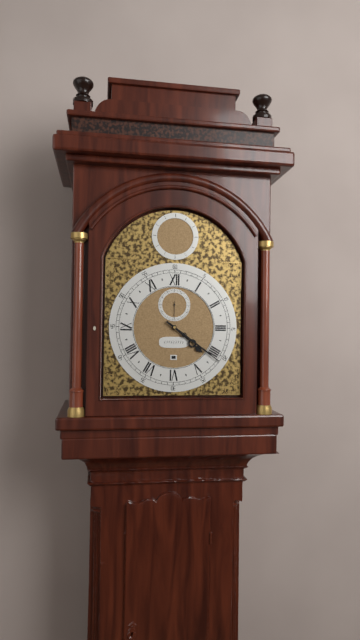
4:21
